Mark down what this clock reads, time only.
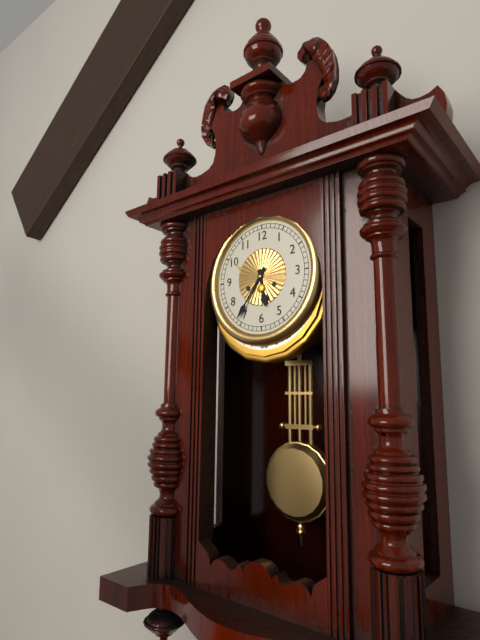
5:36
